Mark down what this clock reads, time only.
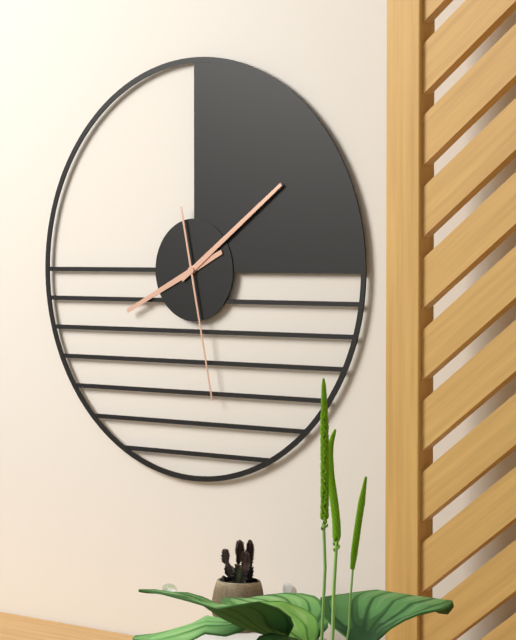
8:09:28
